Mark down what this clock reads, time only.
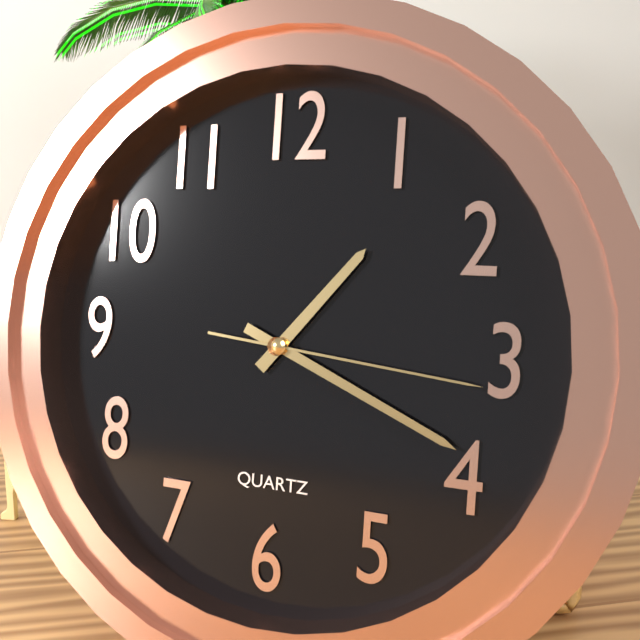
1:19:16
